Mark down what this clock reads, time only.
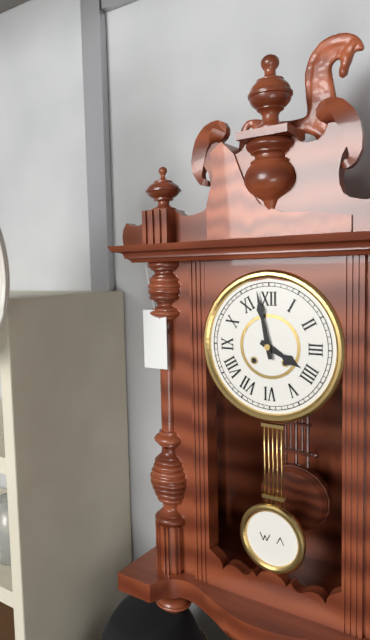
3:58
